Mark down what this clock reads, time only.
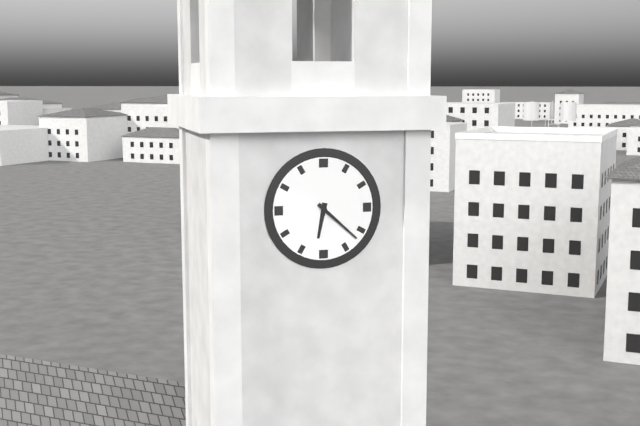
6:22
